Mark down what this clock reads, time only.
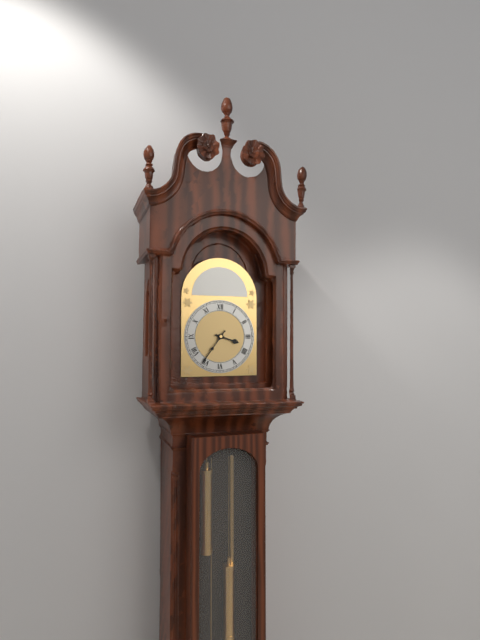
3:36
